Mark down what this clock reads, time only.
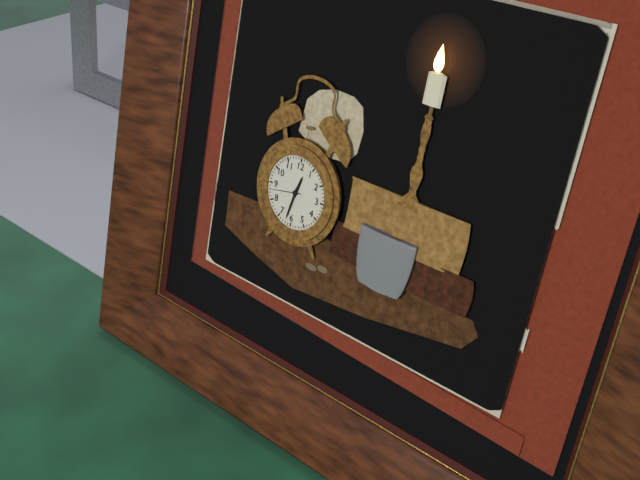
12:32
